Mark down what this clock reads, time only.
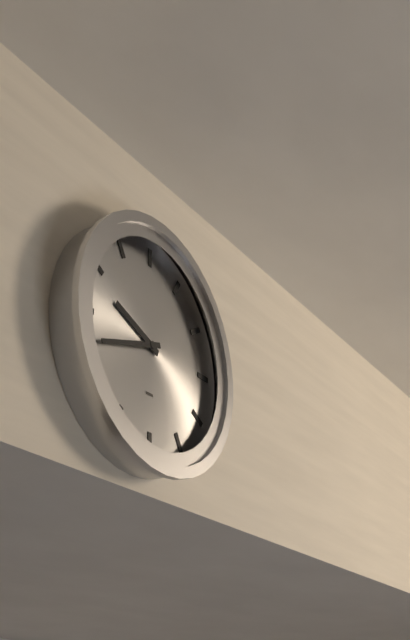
9:42
